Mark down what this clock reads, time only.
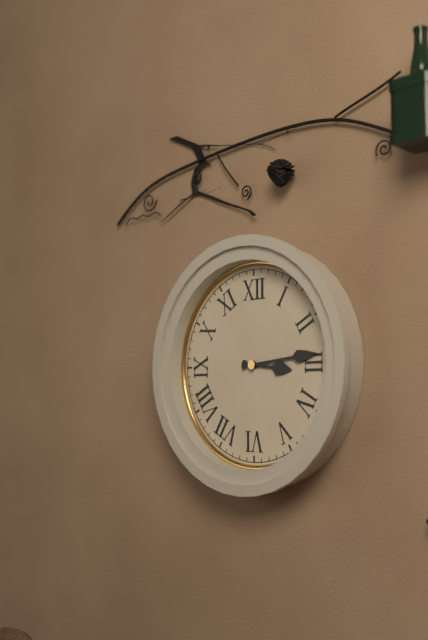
3:14
